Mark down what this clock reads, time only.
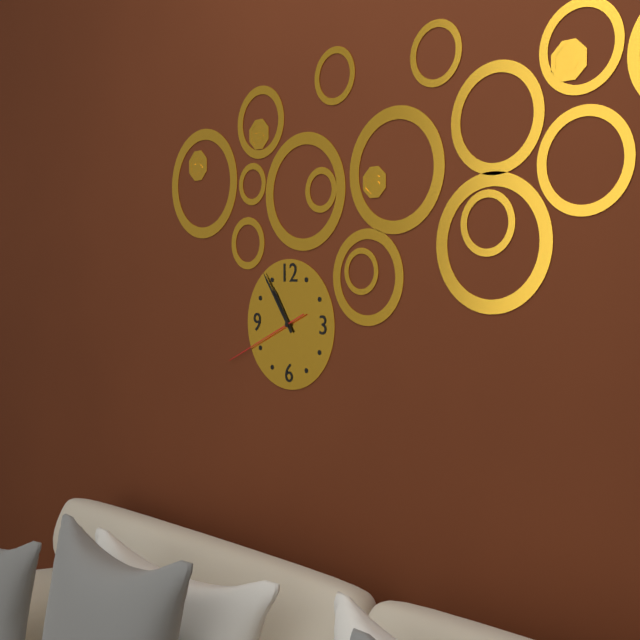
10:54:41
